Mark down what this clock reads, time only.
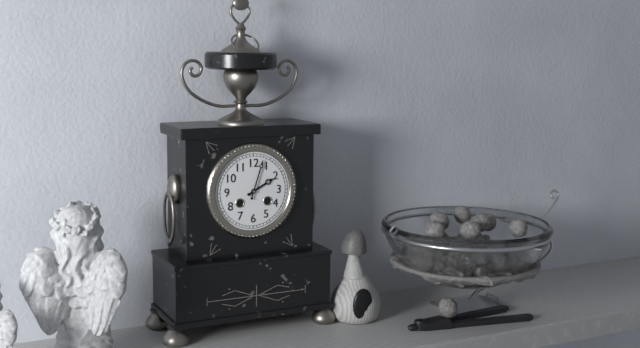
2:03
